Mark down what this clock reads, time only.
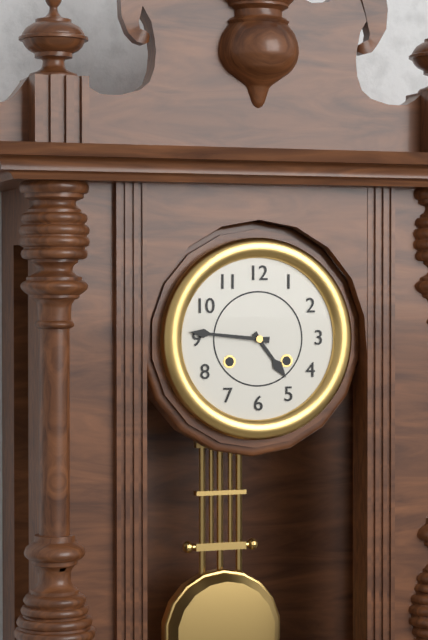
4:46
